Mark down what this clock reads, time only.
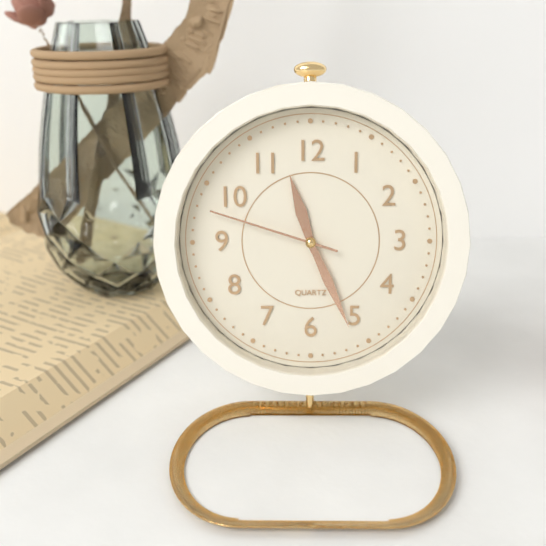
11:26:48
